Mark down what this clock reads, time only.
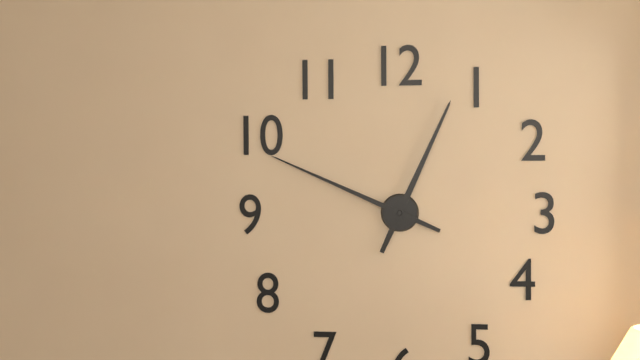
12:49
